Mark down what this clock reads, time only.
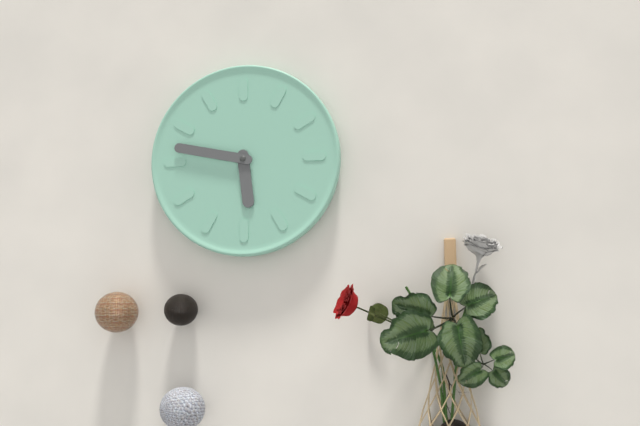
5:47
